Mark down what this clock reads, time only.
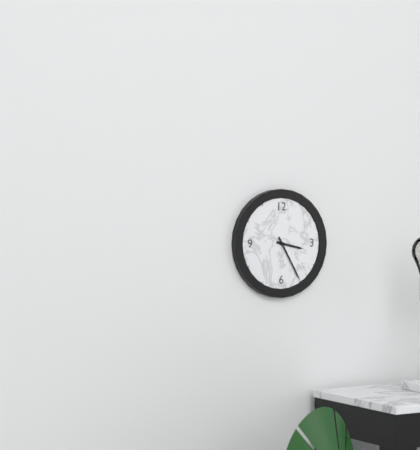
3:25
